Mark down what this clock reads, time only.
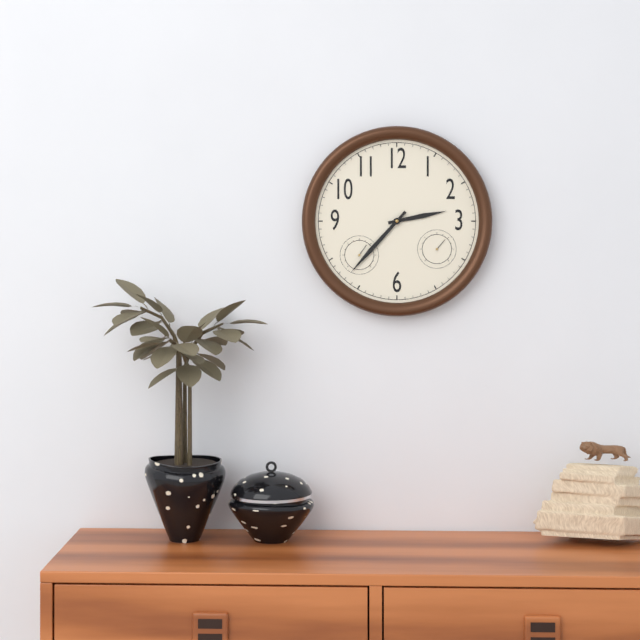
2:37
